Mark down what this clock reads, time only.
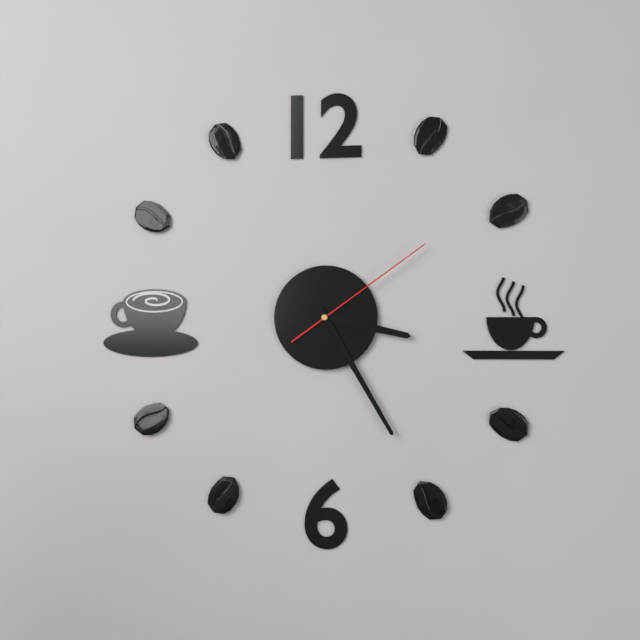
3:25:09
